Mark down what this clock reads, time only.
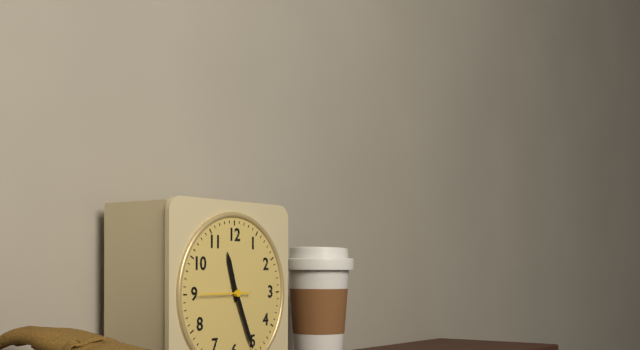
11:26:45
